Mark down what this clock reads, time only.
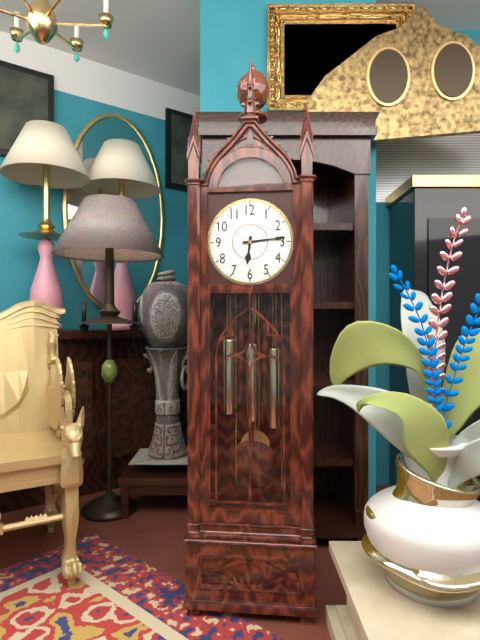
6:14
